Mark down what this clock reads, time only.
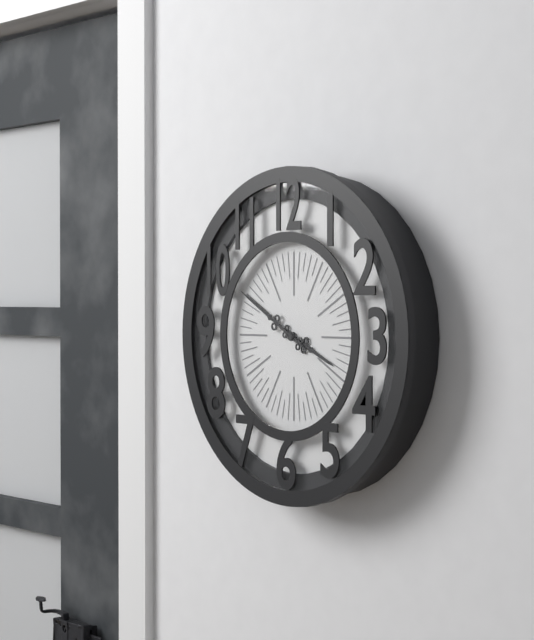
3:50
